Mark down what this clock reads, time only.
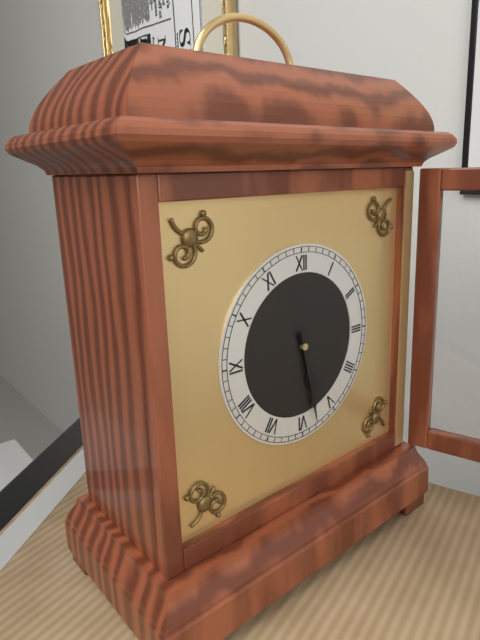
5:28
